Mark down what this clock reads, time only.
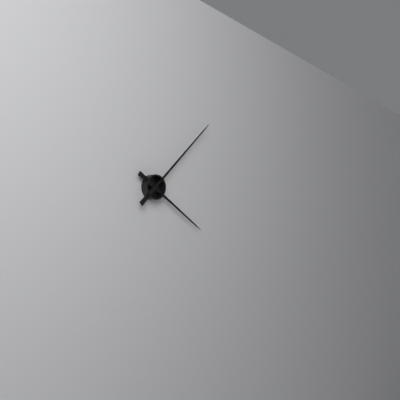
4:08
